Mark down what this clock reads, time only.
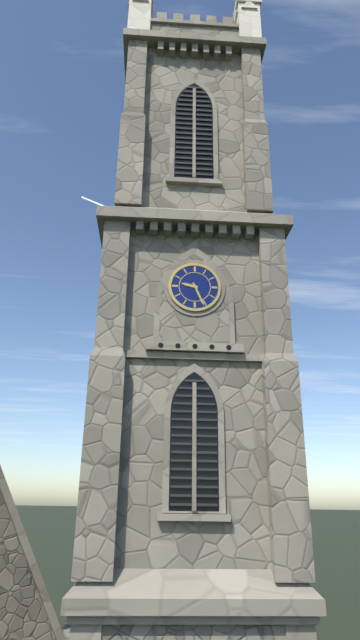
9:26
